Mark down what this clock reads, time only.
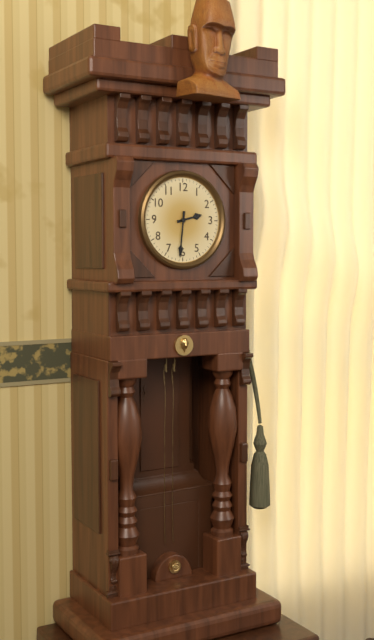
2:31
